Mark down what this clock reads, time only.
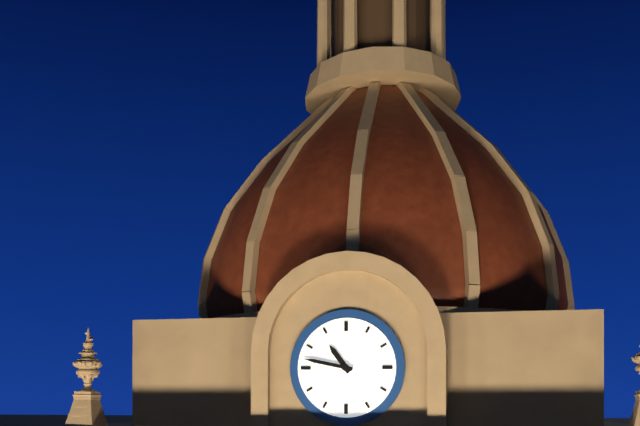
10:47
